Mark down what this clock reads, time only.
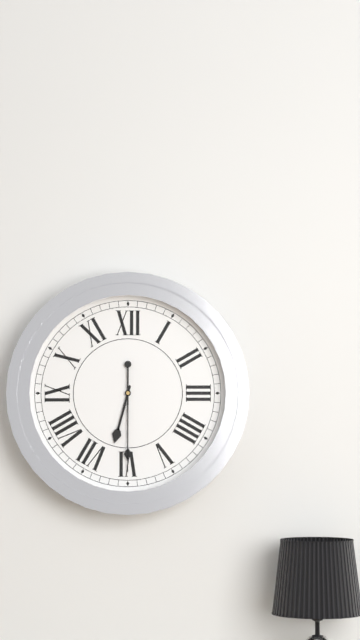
6:30
